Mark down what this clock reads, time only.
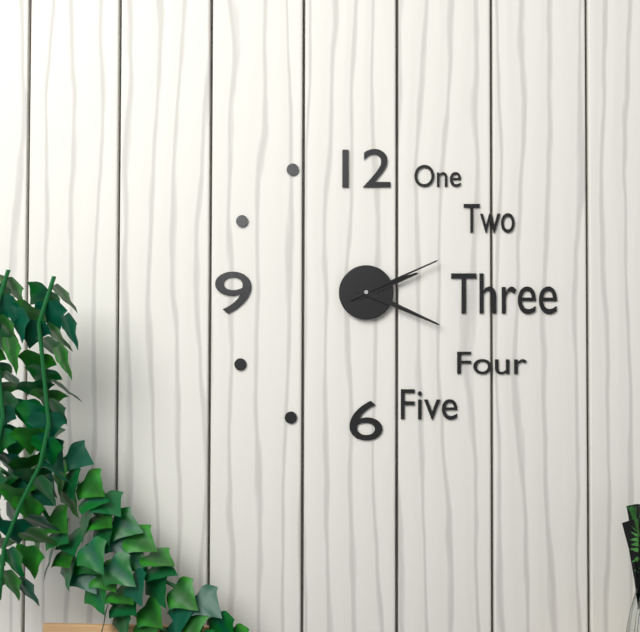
2:19:11
